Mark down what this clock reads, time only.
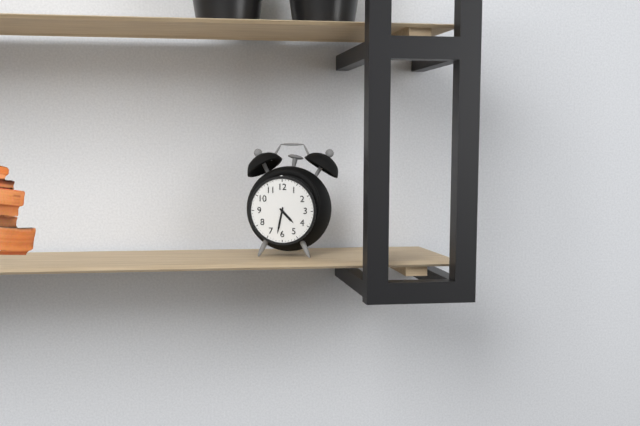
4:32
